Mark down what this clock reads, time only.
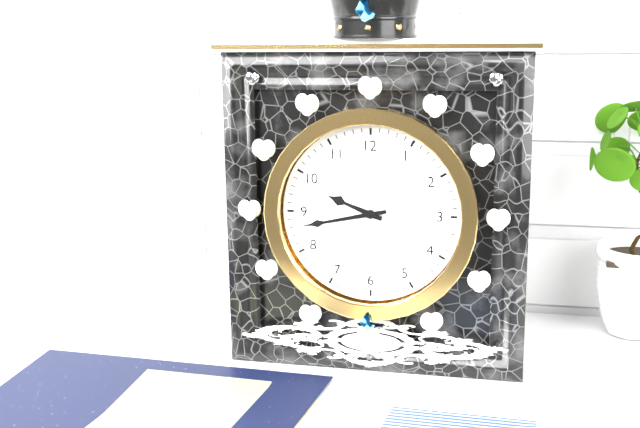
9:43
